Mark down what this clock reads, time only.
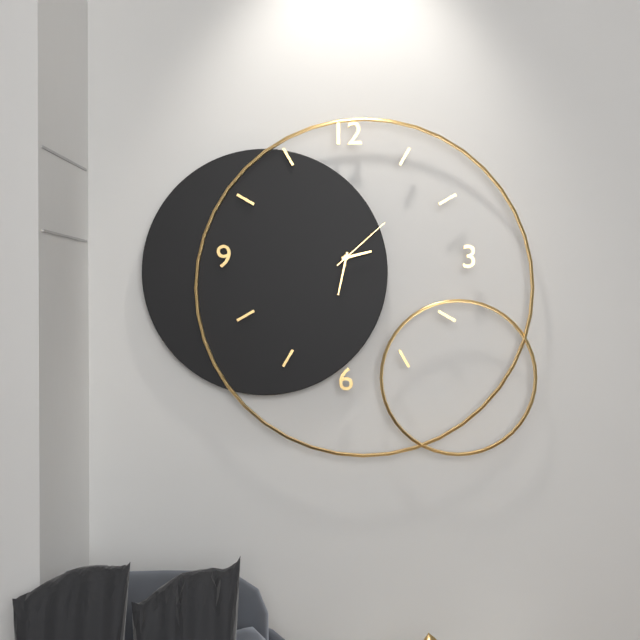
2:32:08
